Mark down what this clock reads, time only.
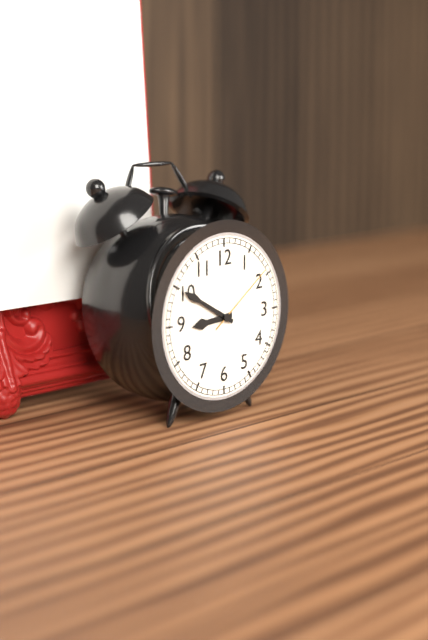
8:50:09
